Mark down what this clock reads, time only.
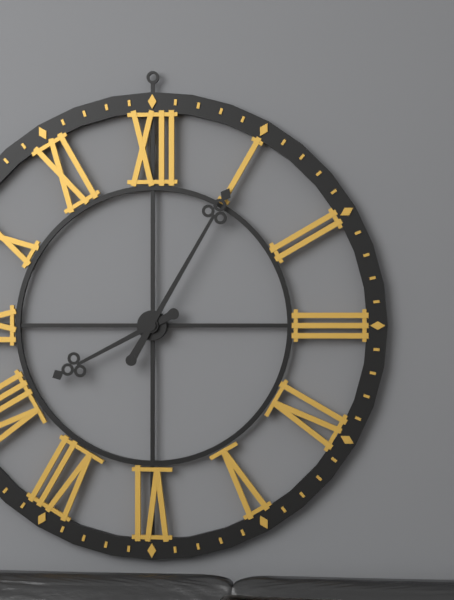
8:05
